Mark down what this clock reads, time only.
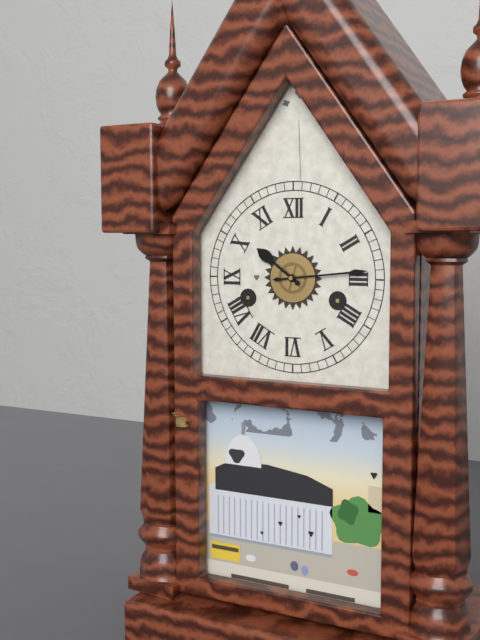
10:14
